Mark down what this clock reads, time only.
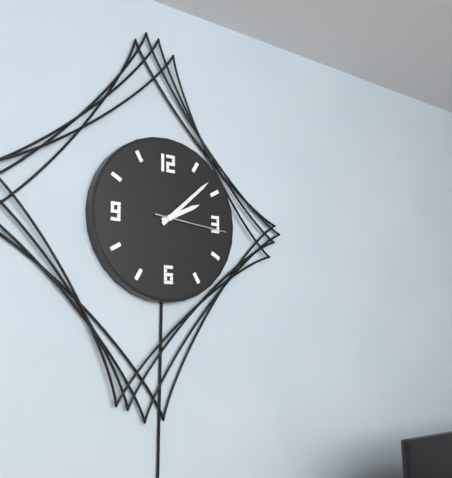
2:08:16
